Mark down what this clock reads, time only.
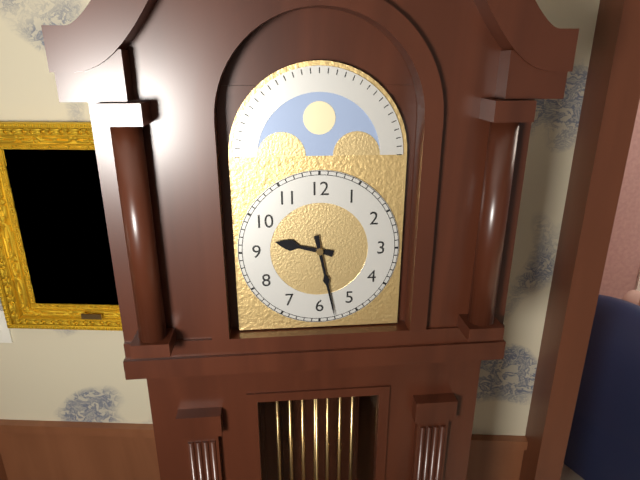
9:28
